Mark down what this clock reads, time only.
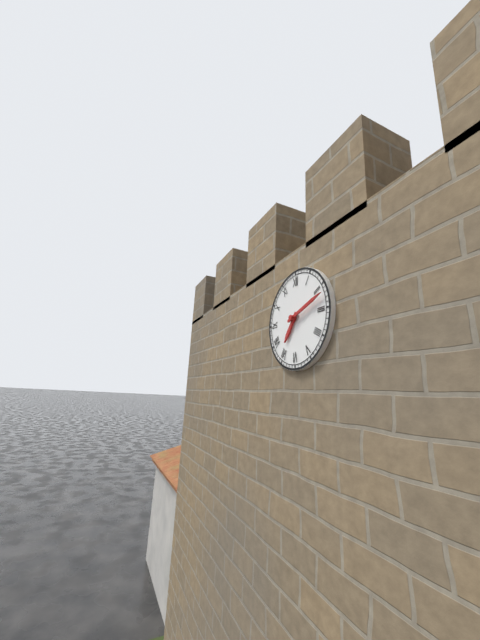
7:12
